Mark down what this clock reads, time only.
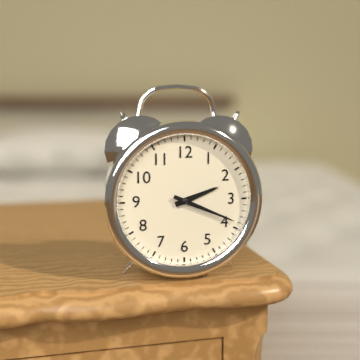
2:19
